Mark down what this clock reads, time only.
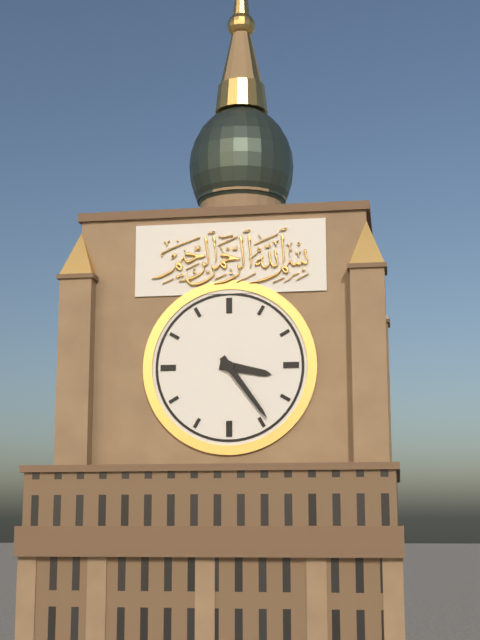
3:24
